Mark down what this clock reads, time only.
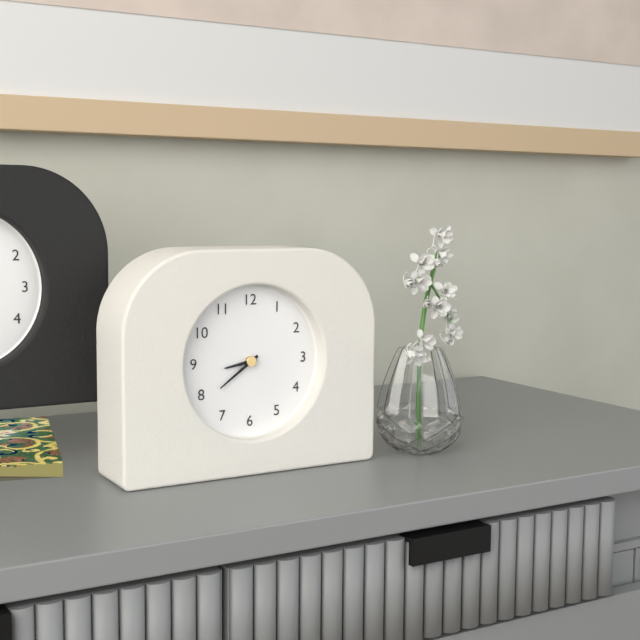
8:39
